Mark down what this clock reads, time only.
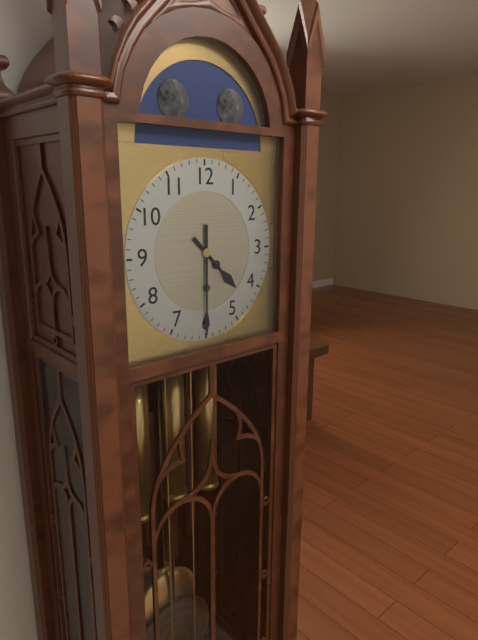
4:30
